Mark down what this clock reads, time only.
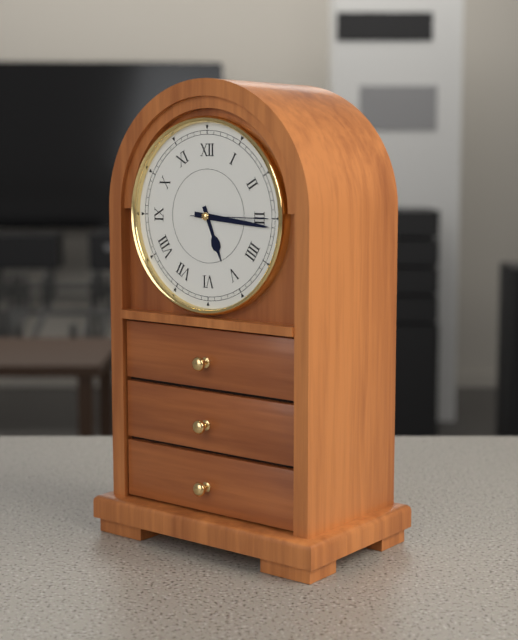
5:16:15
